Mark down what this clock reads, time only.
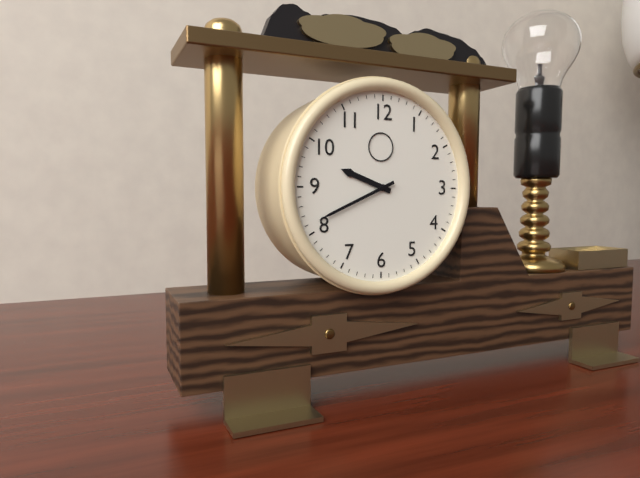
9:41
